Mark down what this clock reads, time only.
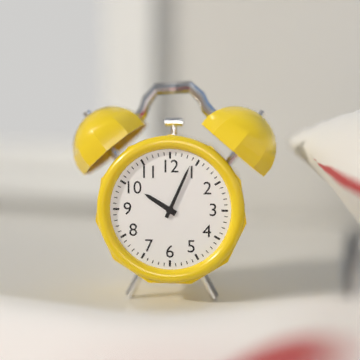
10:04
